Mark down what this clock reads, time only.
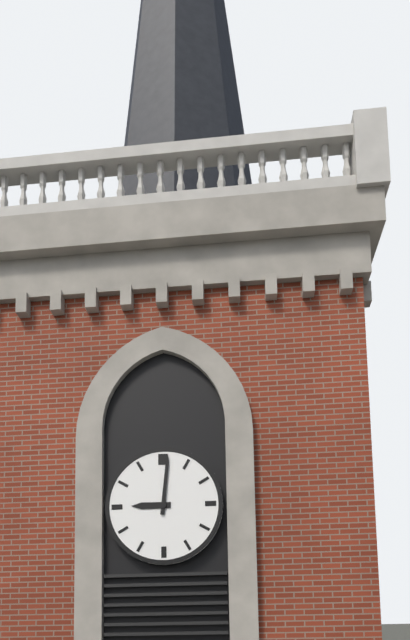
9:01
